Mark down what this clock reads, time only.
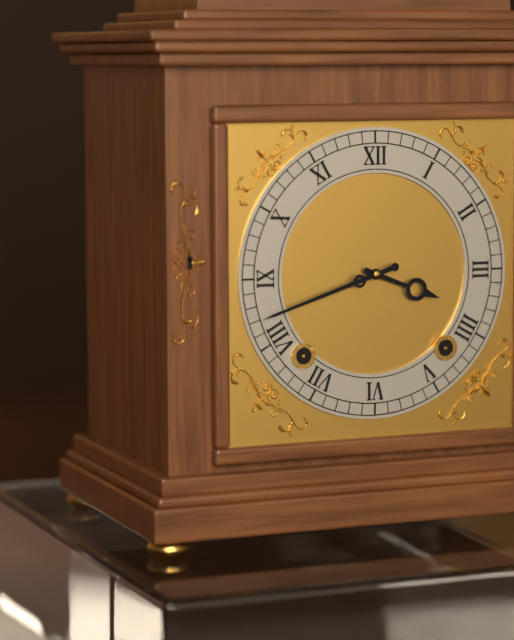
3:42
